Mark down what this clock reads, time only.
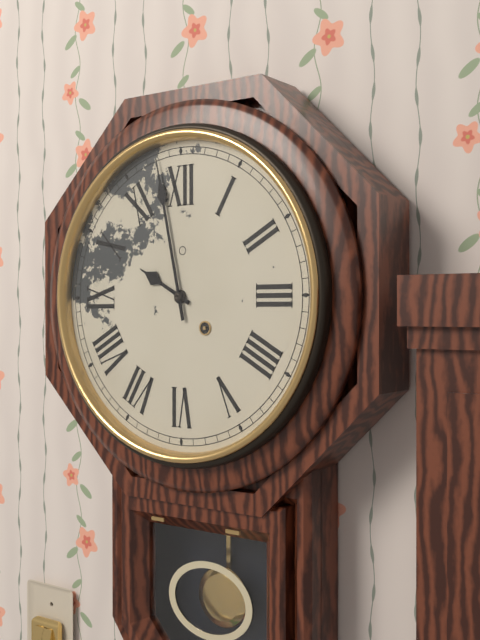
9:58
